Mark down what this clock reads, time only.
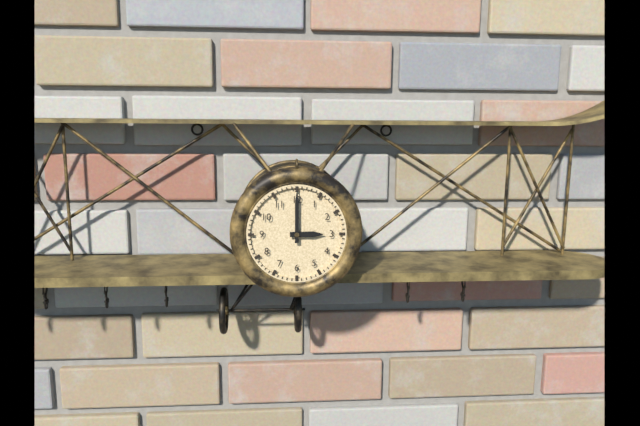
3:00
